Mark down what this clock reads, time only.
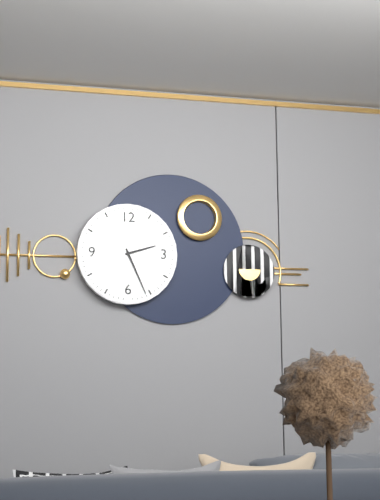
2:26
